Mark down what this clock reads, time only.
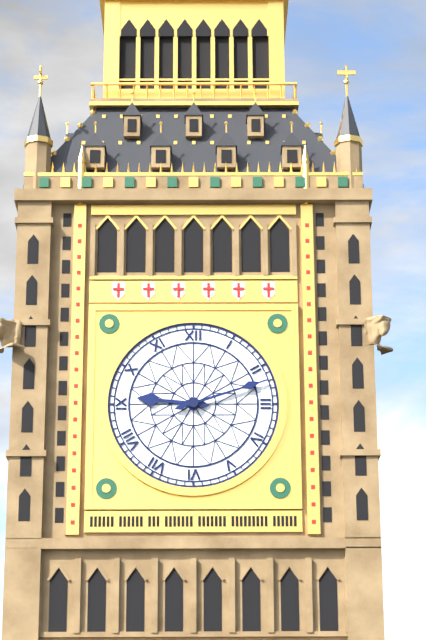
9:12
